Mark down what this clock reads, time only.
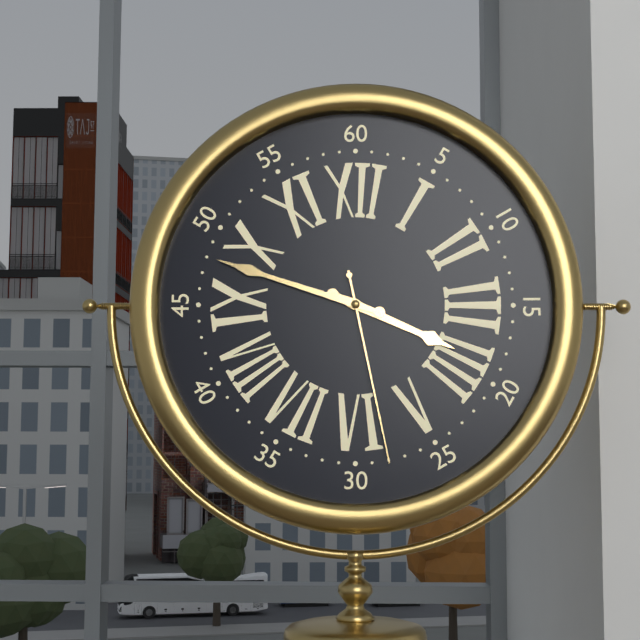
3:48:28
